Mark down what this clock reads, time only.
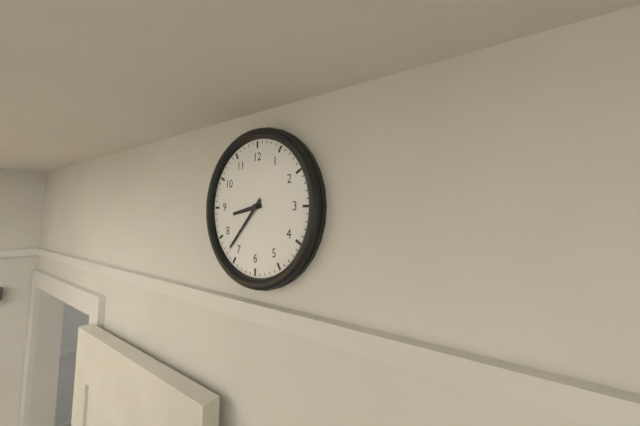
8:37
